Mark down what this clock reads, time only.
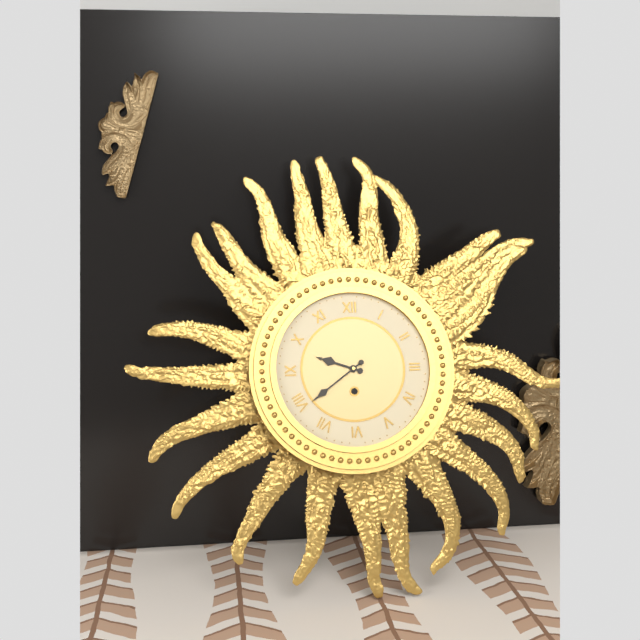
9:39
